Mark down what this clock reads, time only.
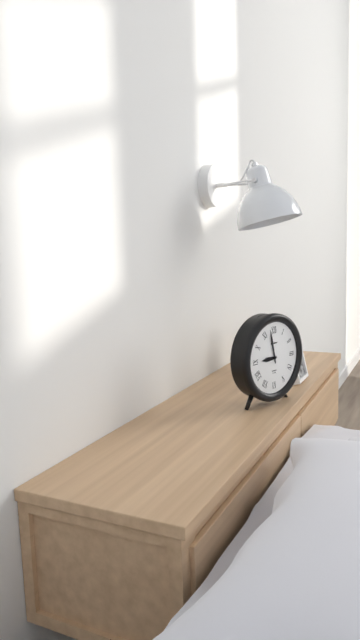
8:58
